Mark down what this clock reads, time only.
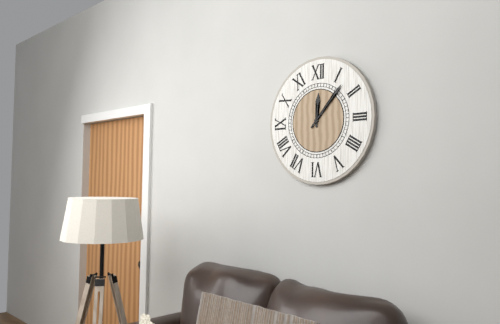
12:07
